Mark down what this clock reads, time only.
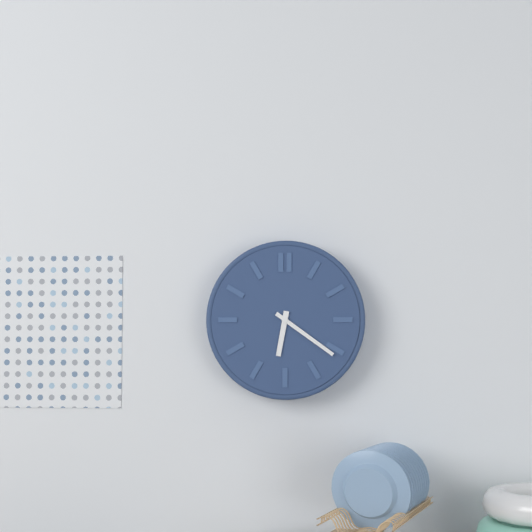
6:21
